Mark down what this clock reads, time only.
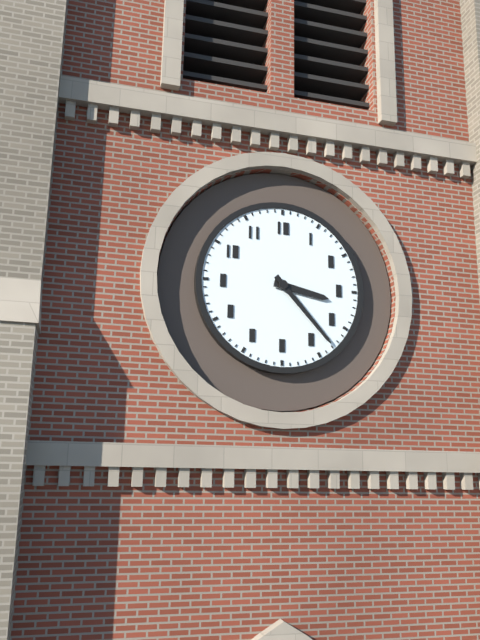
3:23
